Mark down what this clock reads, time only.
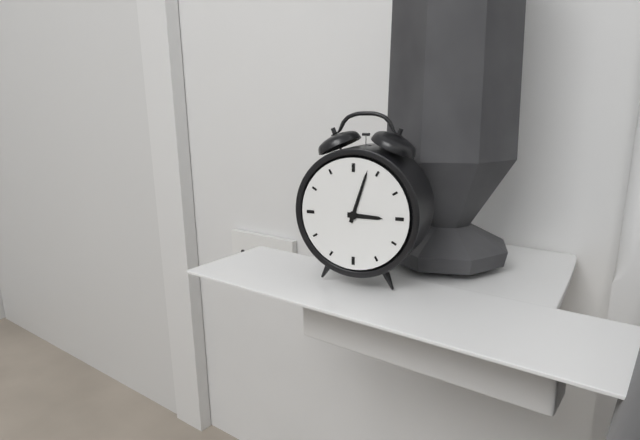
3:03
